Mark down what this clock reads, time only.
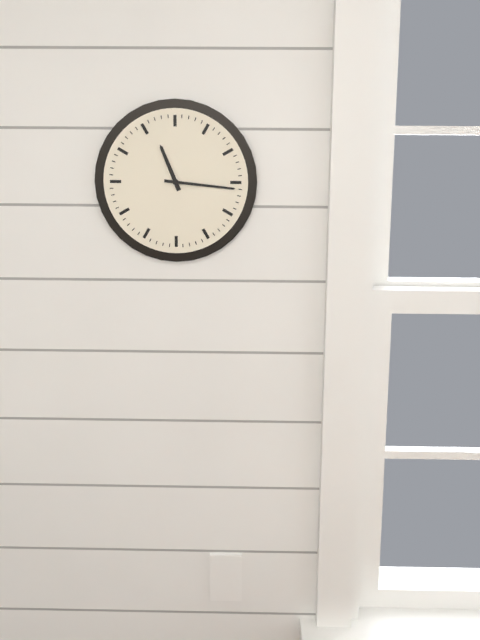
11:16
